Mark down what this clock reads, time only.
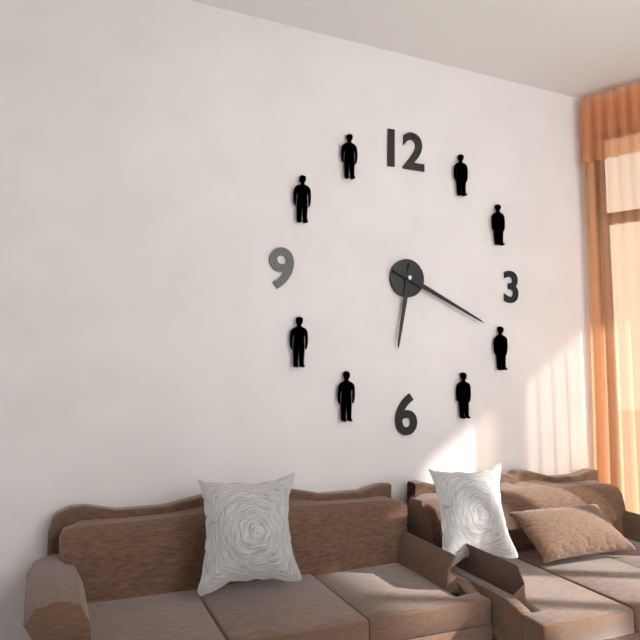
6:19
